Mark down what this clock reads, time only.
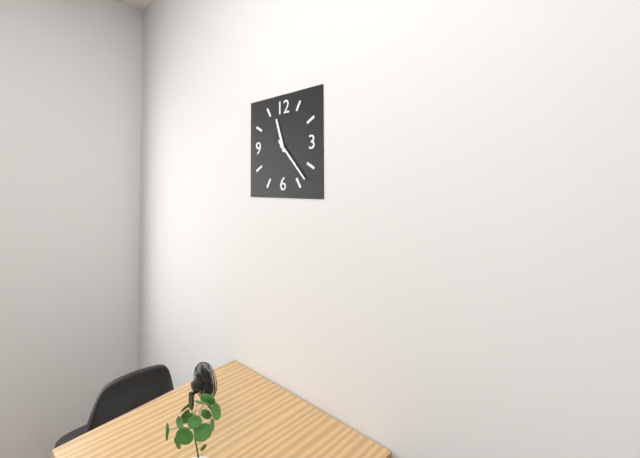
11:23
